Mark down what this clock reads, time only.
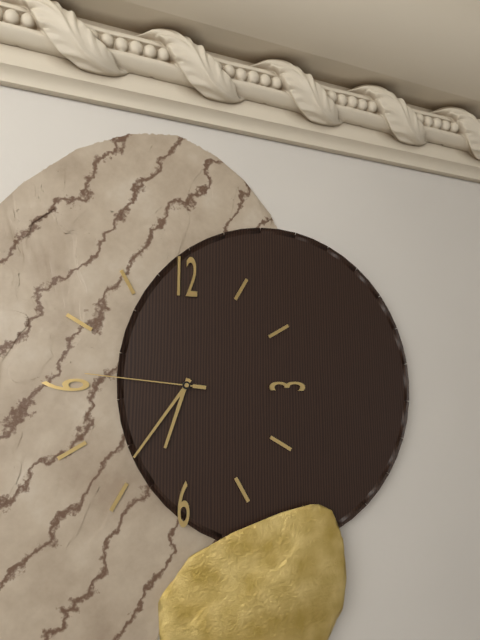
6:36:46
